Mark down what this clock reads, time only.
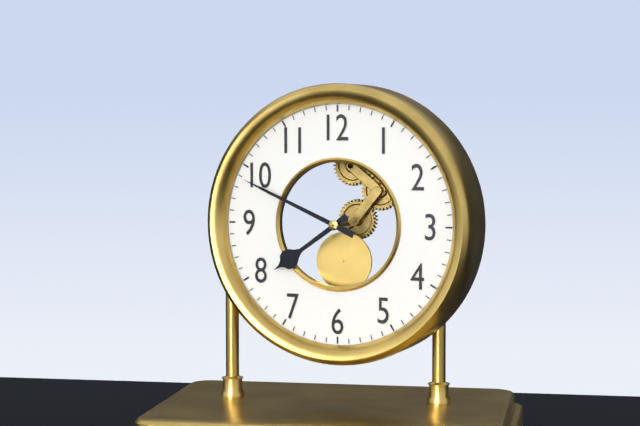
7:49
